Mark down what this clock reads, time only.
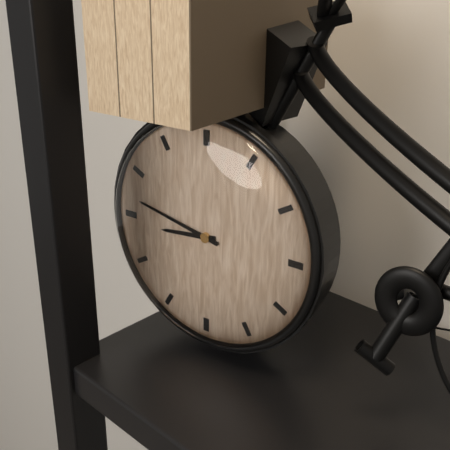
8:47
